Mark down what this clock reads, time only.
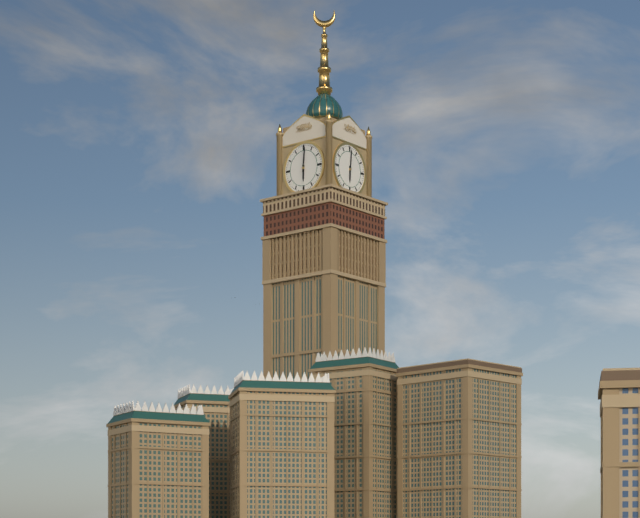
6:01
